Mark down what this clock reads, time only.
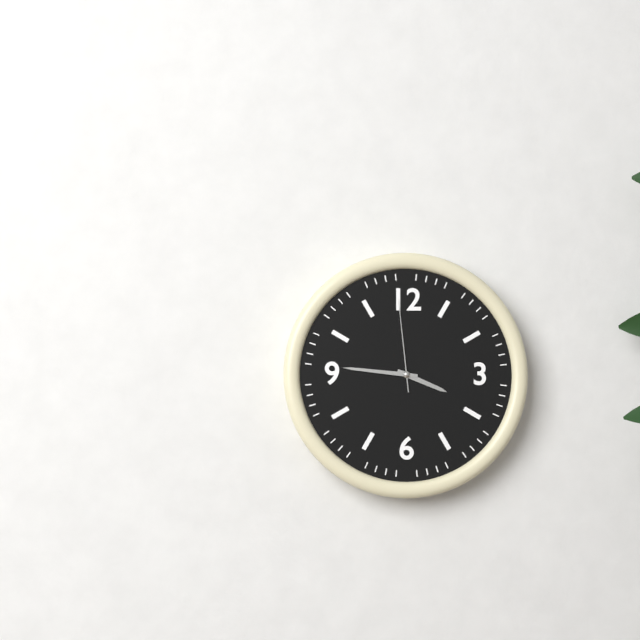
3:46:59
